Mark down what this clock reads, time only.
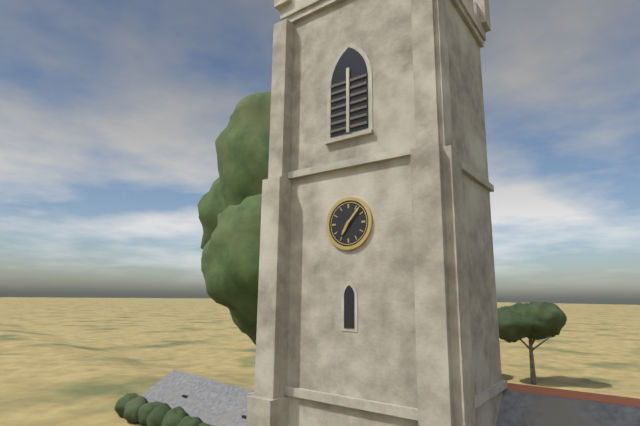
7:07
